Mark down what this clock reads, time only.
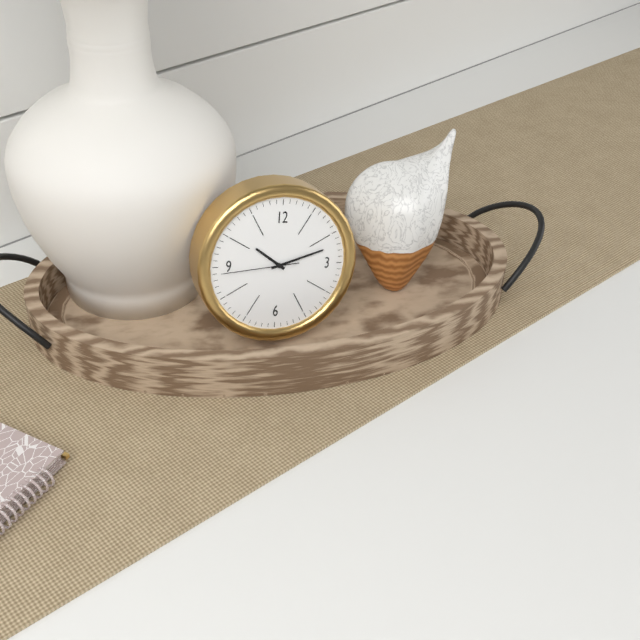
10:12:44
